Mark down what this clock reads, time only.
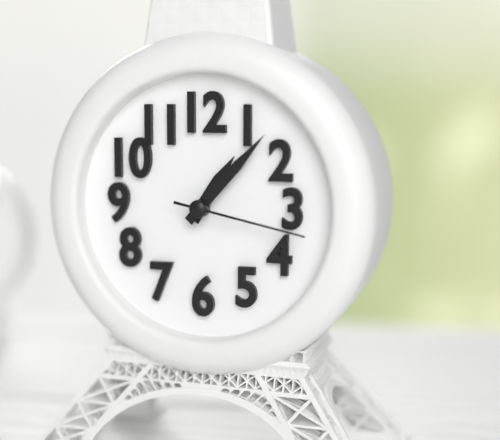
1:07:17
